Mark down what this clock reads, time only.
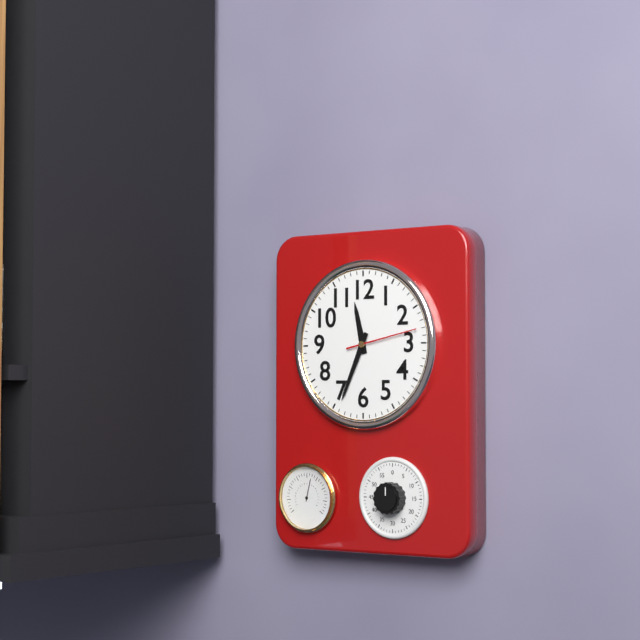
11:34:13
